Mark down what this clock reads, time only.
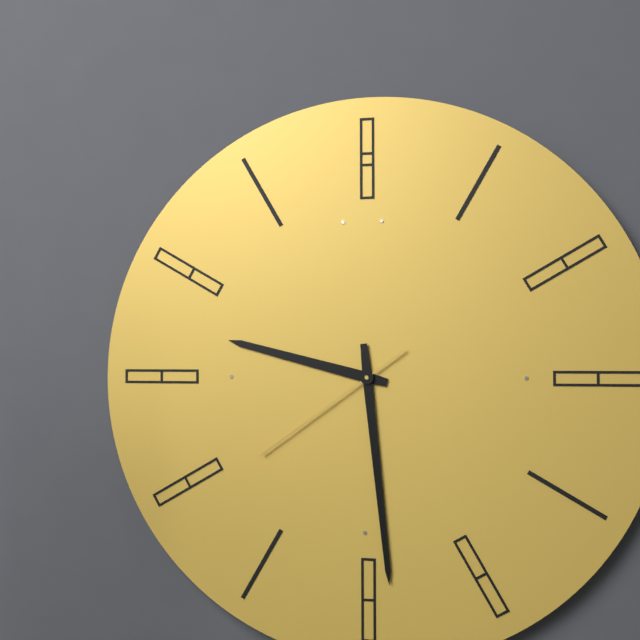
9:29:39
